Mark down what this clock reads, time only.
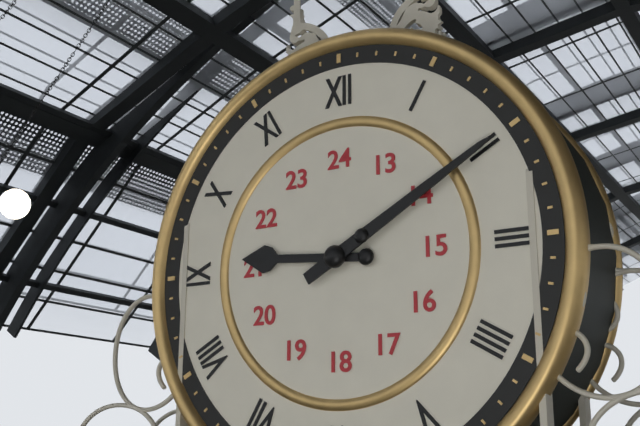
9:10
